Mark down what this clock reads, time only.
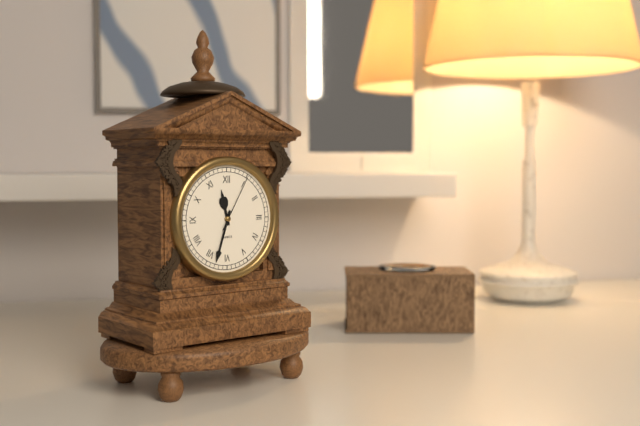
11:33:05
